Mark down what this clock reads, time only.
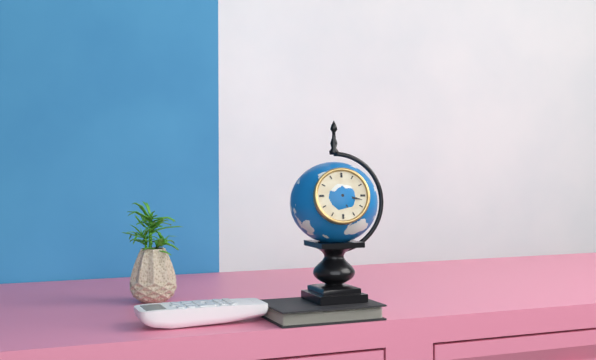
5:17
